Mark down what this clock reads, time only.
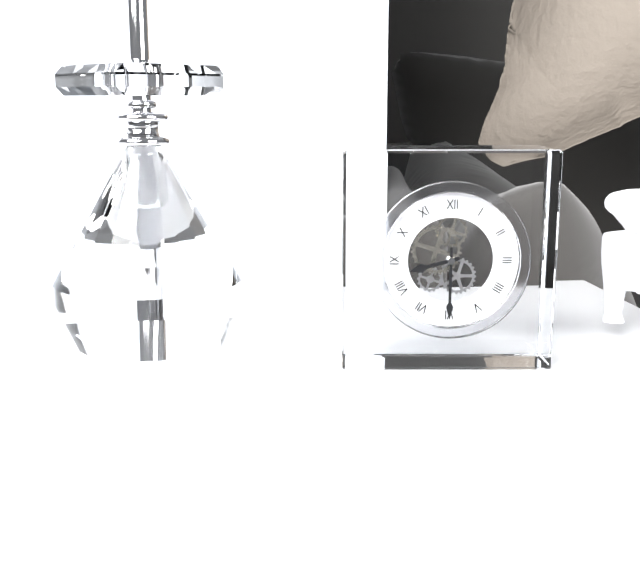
8:30
